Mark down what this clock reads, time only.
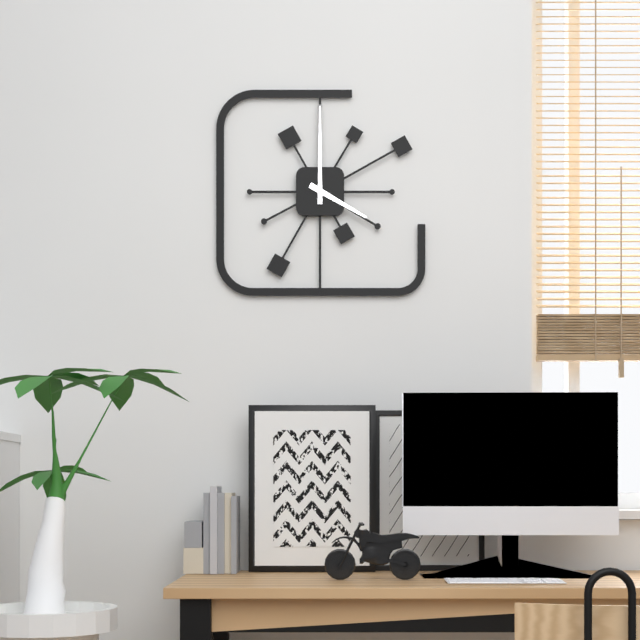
4:00
